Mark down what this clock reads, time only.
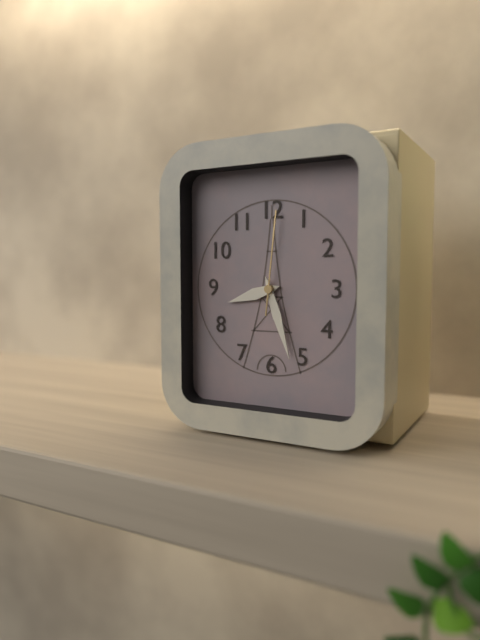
8:27:01
